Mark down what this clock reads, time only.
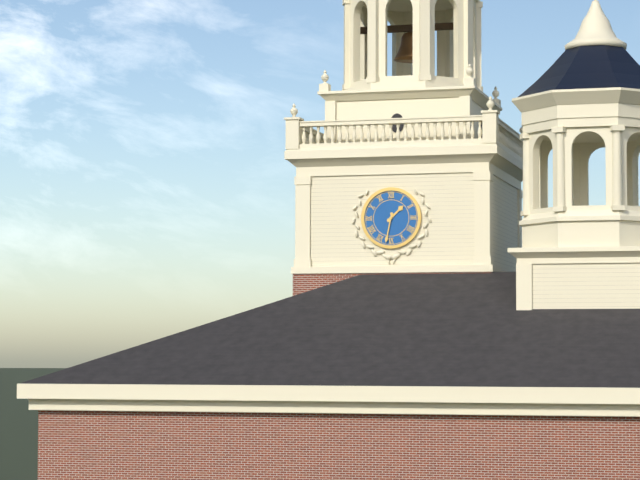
1:32
